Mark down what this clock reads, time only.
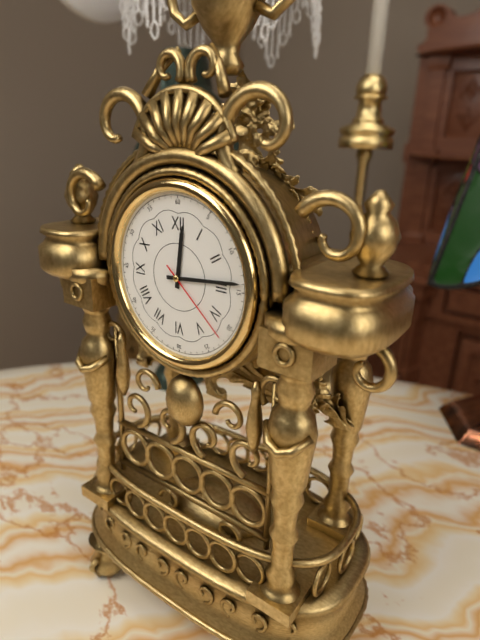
12:14:22
